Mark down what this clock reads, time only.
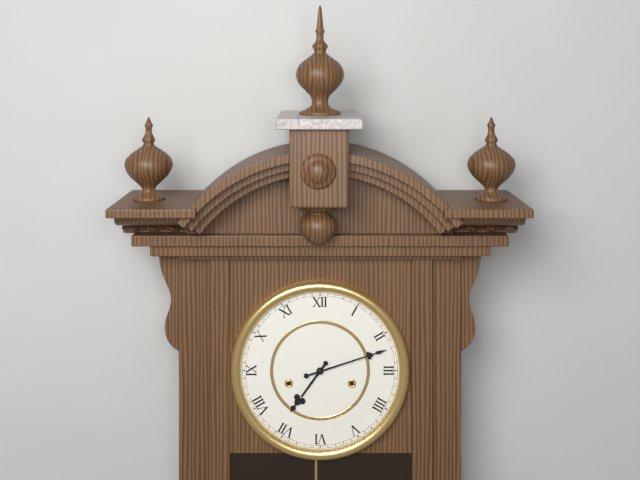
7:12
